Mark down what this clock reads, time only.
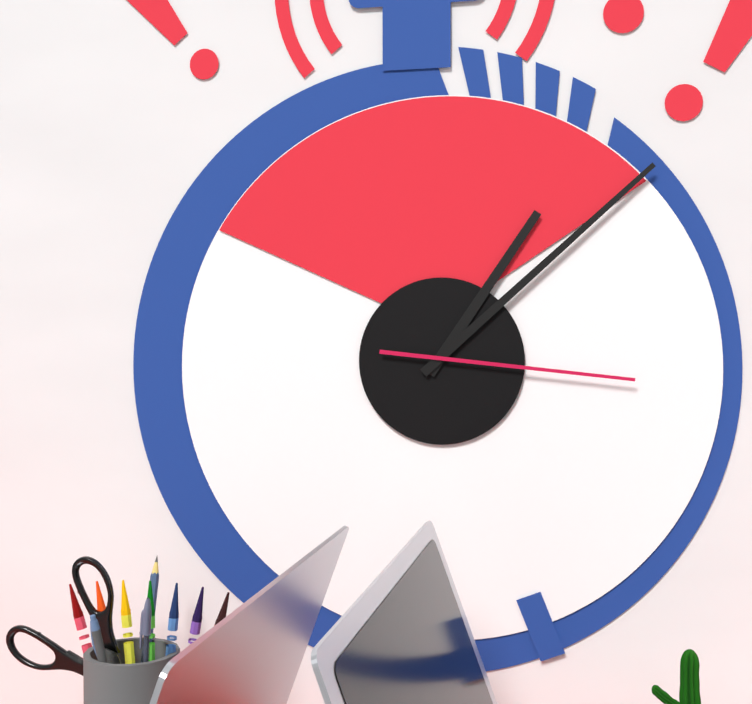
1:08:16
